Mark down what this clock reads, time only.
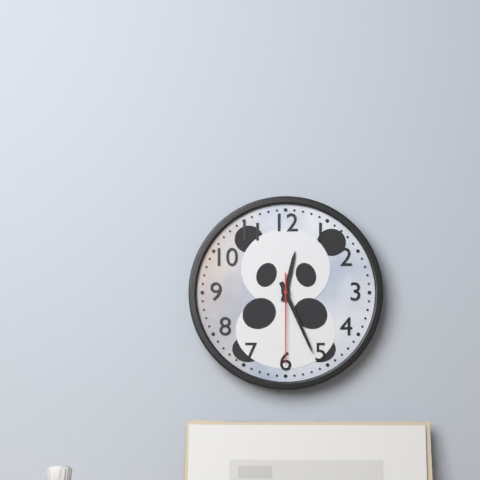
12:26:30
